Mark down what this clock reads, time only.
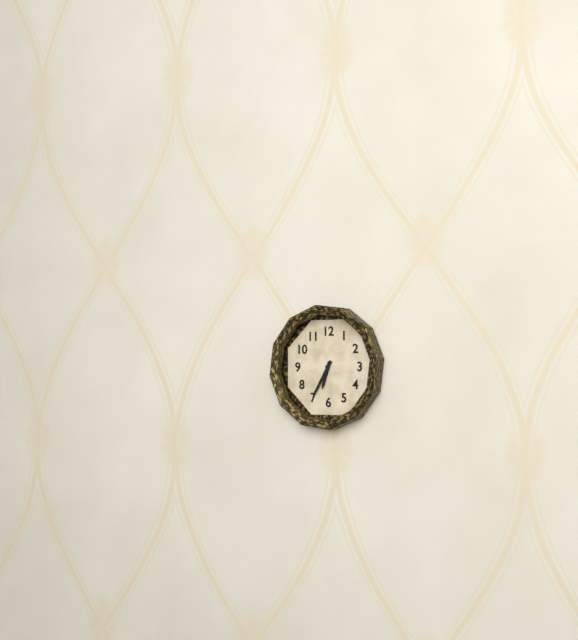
6:35
